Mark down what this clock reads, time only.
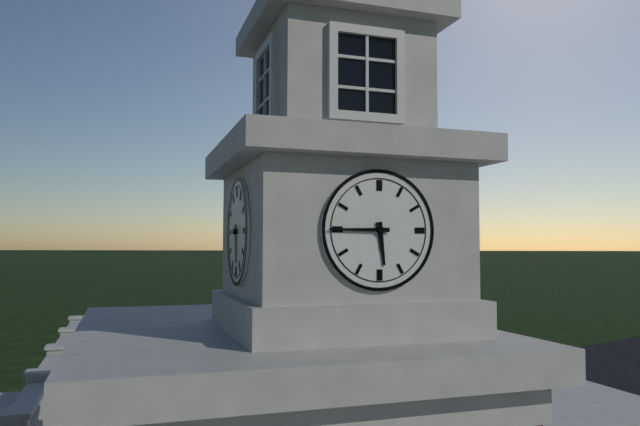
5:45
